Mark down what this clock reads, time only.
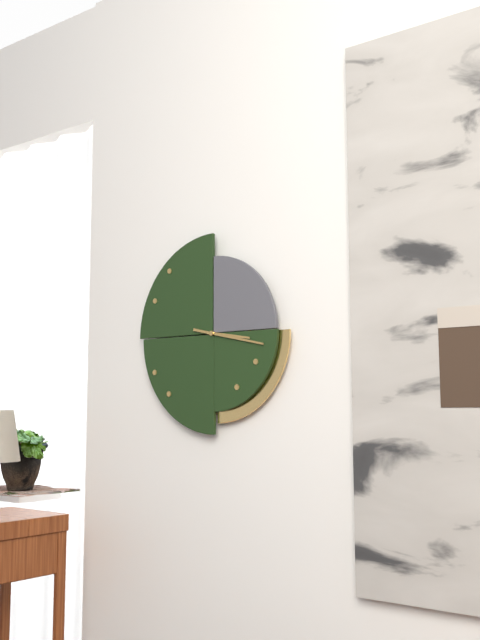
3:17
